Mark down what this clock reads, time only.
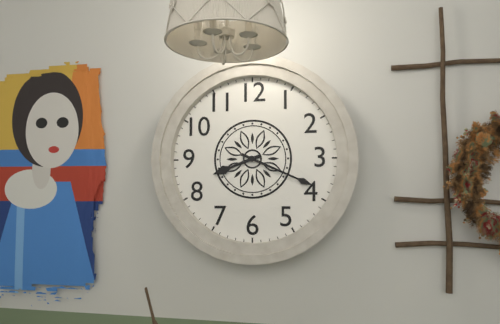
8:19
